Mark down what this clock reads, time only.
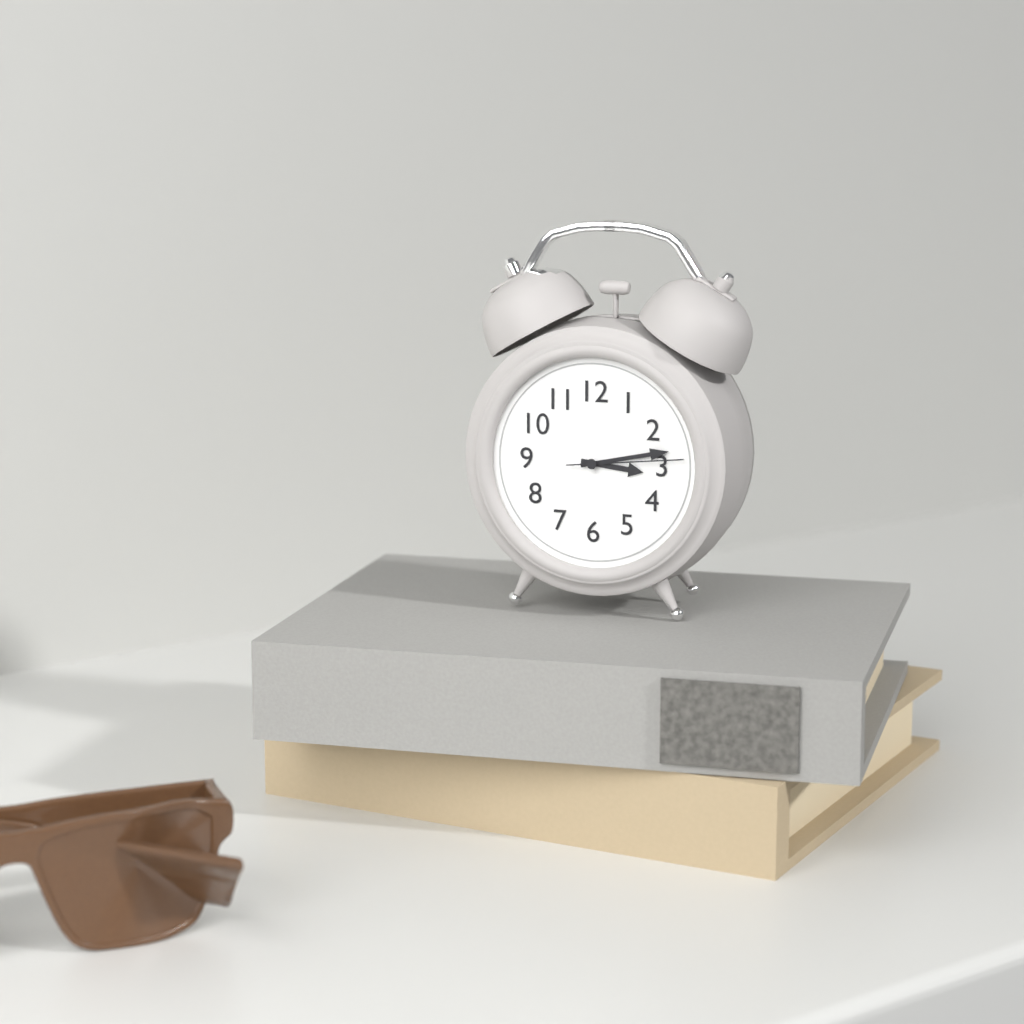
3:13:14
